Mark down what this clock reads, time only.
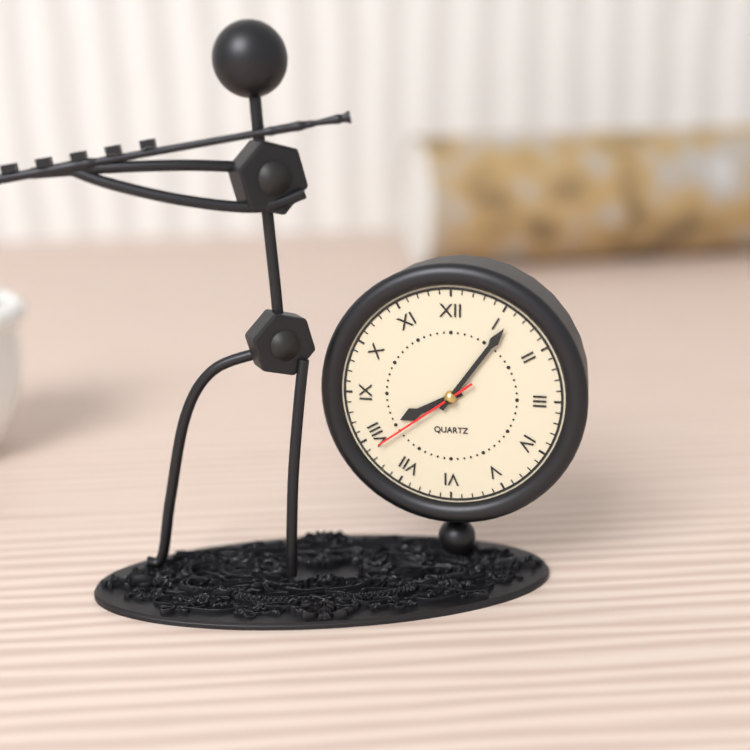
8:06:39
